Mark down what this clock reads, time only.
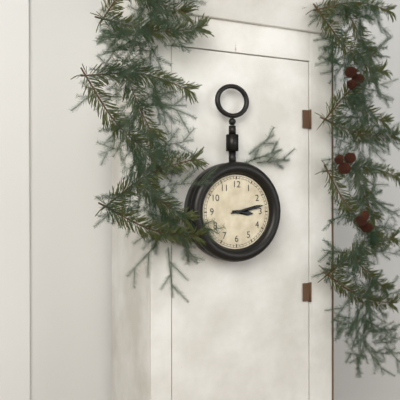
3:13
